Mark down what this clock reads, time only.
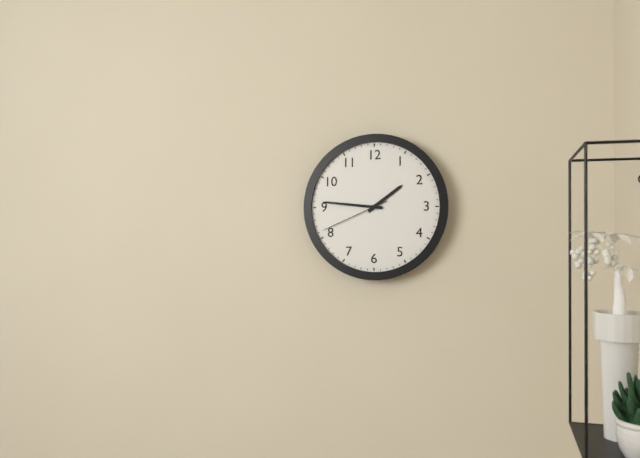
1:46:41
